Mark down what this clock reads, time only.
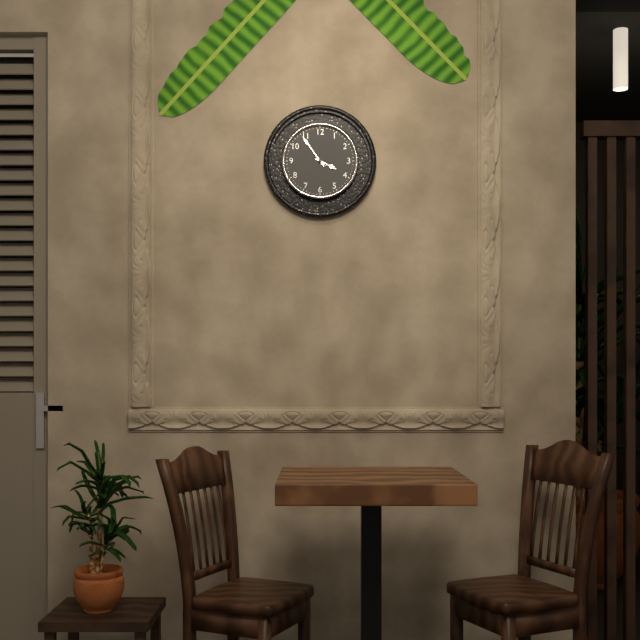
3:54
